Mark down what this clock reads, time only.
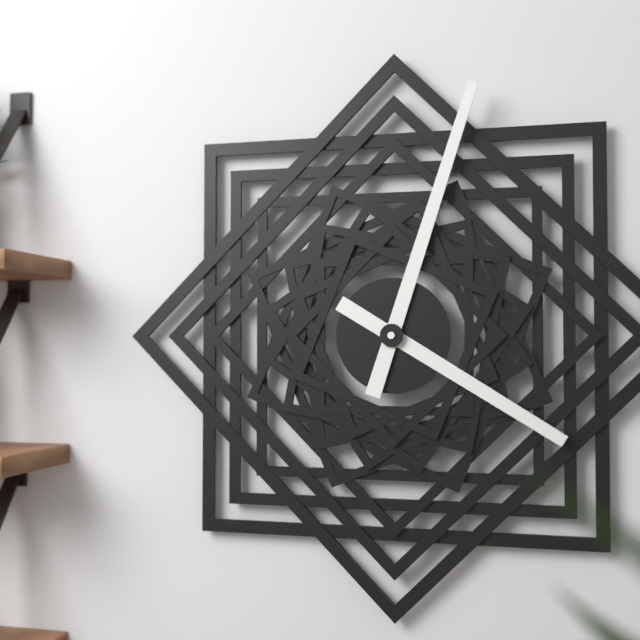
4:03
